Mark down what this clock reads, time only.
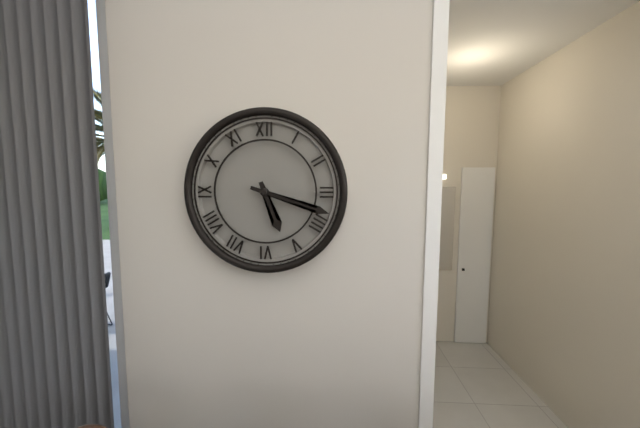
5:18
